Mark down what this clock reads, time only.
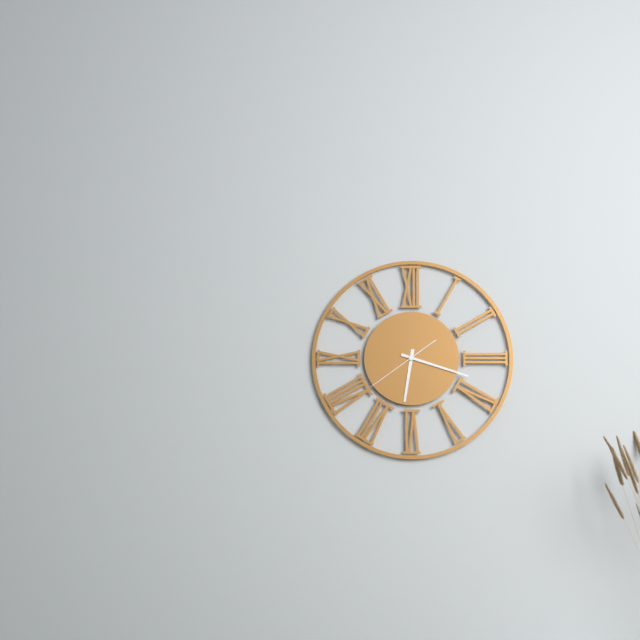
6:18:39
